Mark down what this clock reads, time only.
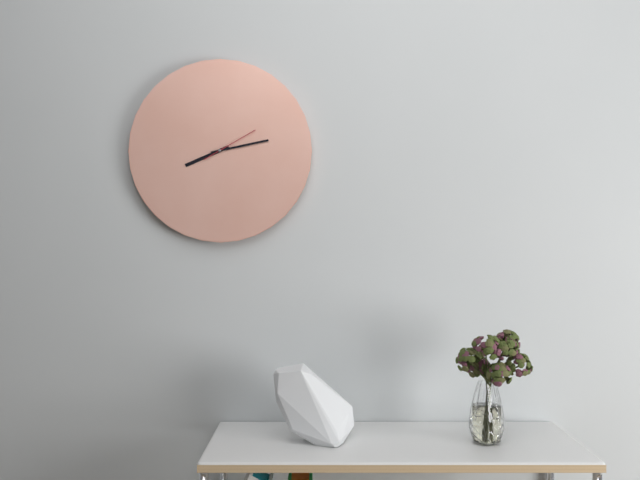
8:13:10
